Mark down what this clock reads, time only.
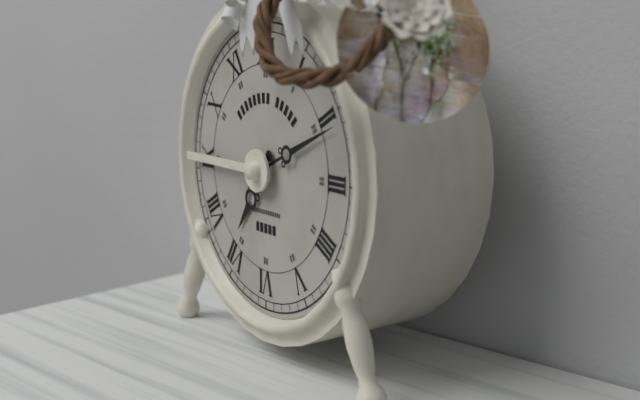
7:11
